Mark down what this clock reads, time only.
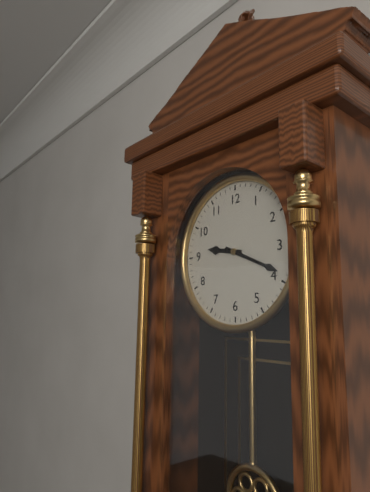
9:19
